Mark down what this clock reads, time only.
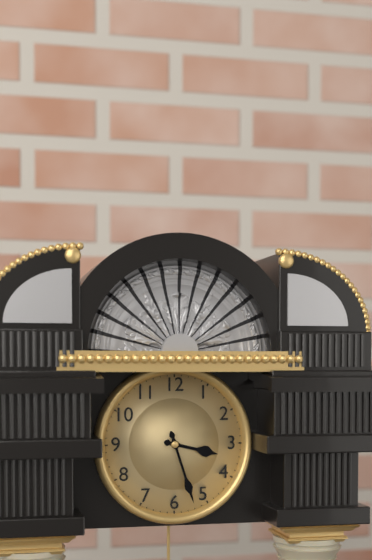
3:27
